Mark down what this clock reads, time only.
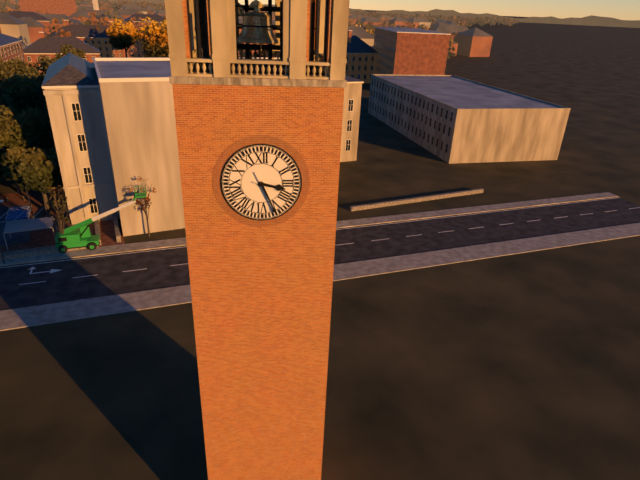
3:26
